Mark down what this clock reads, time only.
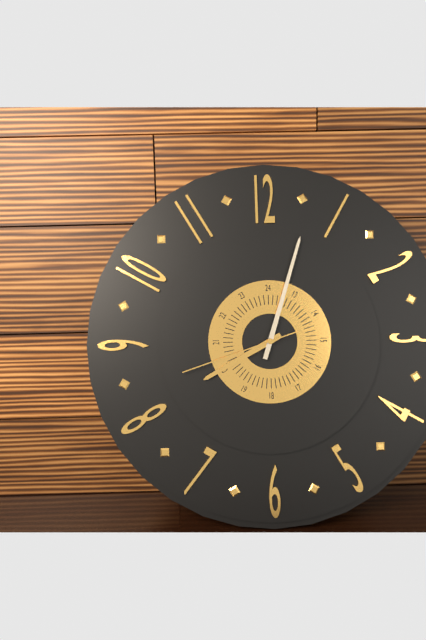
8:03:42
